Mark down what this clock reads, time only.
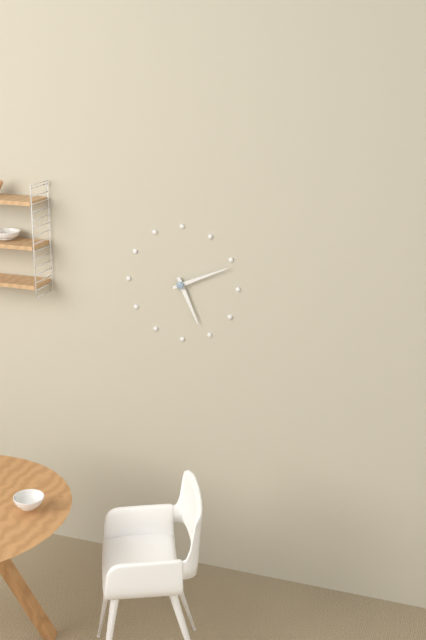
5:11
